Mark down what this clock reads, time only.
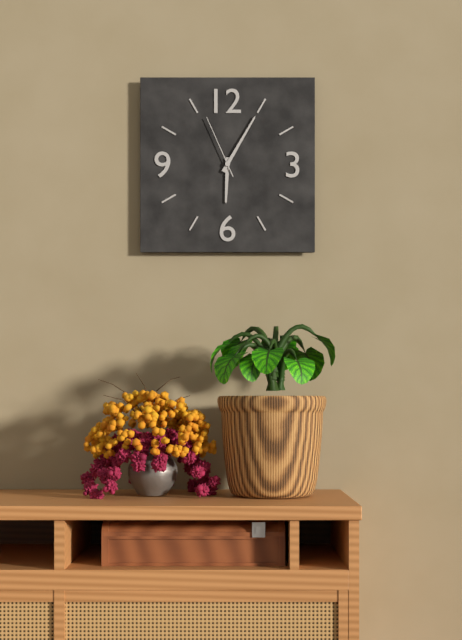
6:05:56
